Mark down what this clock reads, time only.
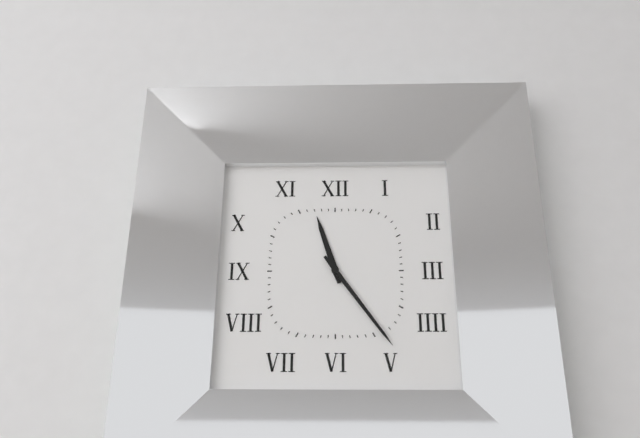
11:24
